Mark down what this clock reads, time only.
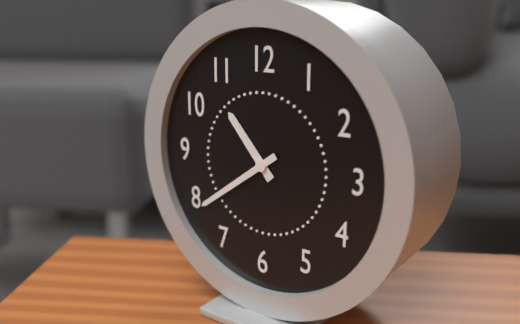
10:39
